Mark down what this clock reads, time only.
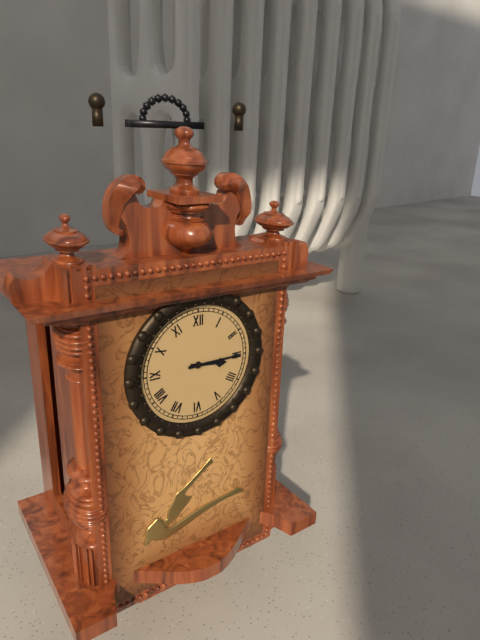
3:15
